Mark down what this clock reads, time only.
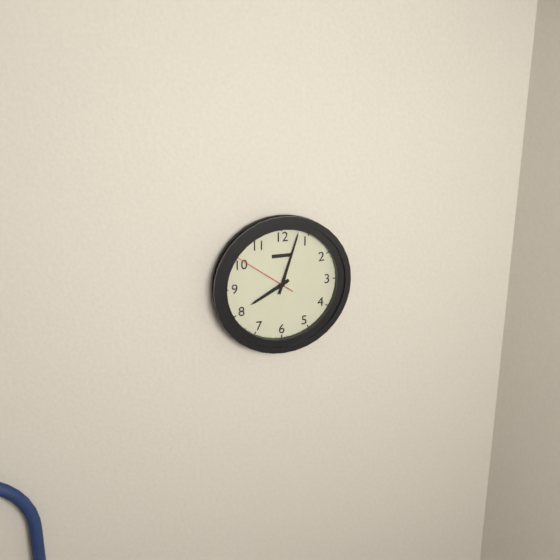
8:03:51
